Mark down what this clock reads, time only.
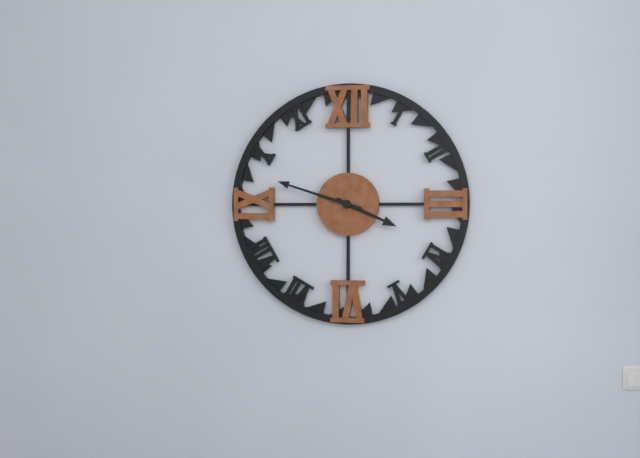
3:48
